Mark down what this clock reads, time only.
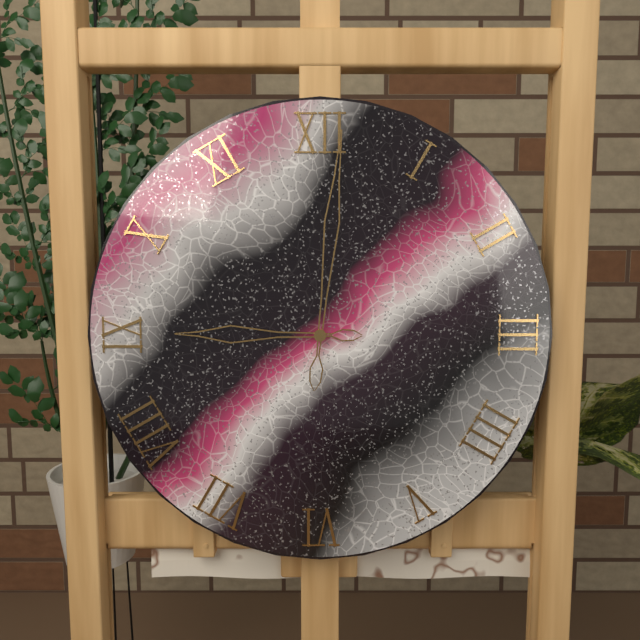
9:01
